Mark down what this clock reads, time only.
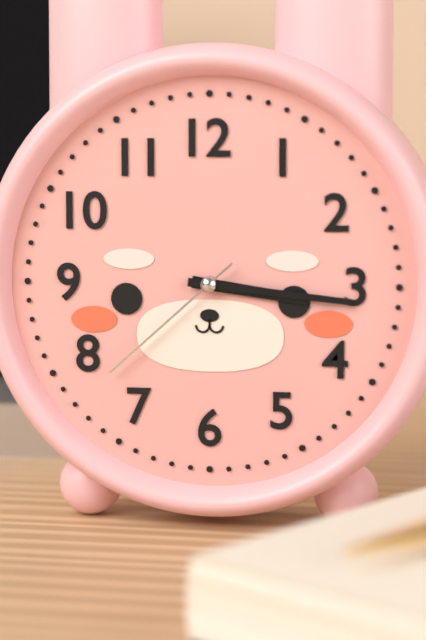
3:16:38
